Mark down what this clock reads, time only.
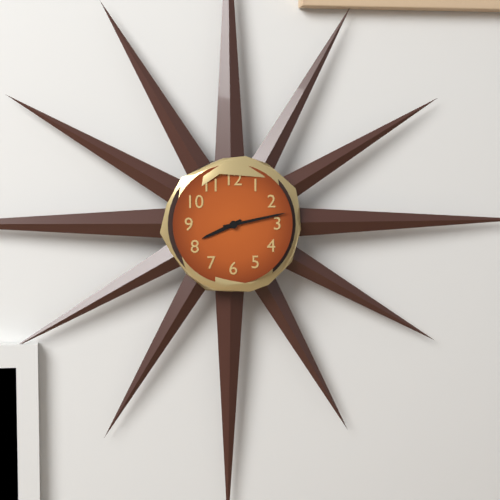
8:13
